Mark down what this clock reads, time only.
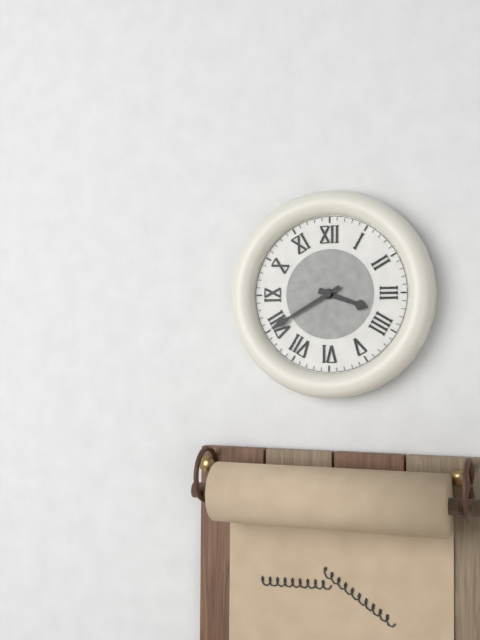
3:40
